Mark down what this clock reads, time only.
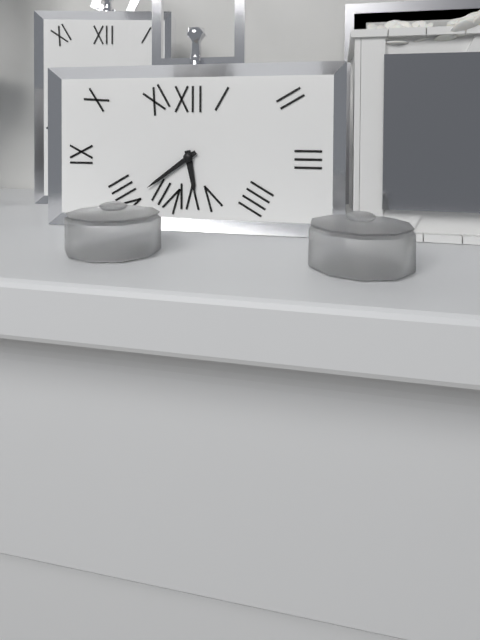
5:39
